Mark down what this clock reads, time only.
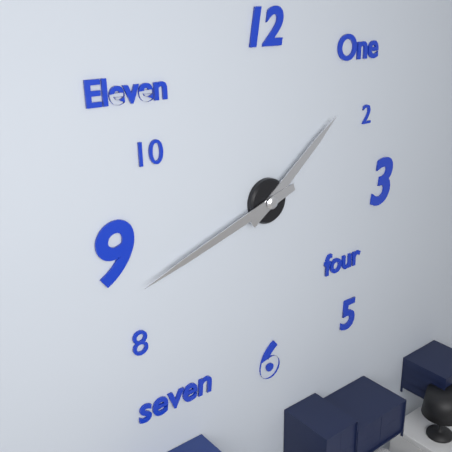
1:42
